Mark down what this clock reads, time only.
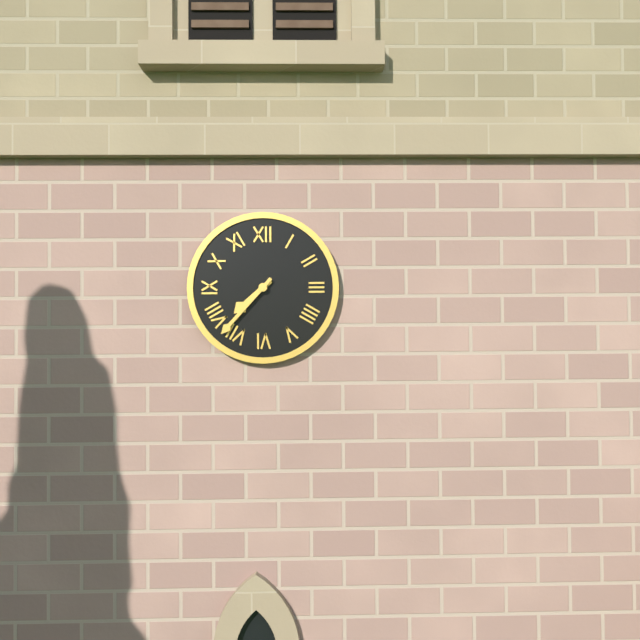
7:37
